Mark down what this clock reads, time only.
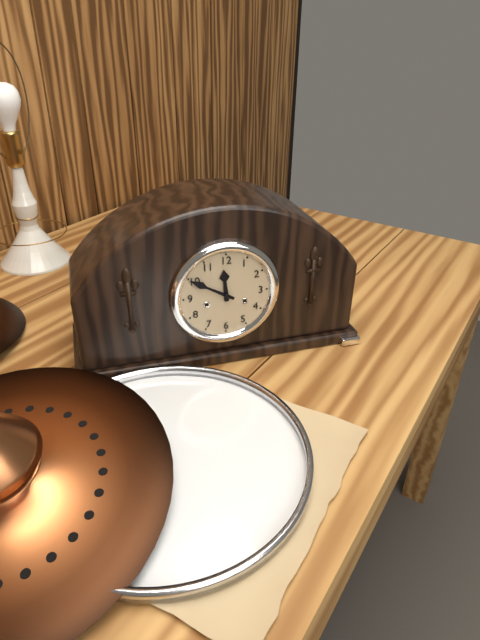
11:50
